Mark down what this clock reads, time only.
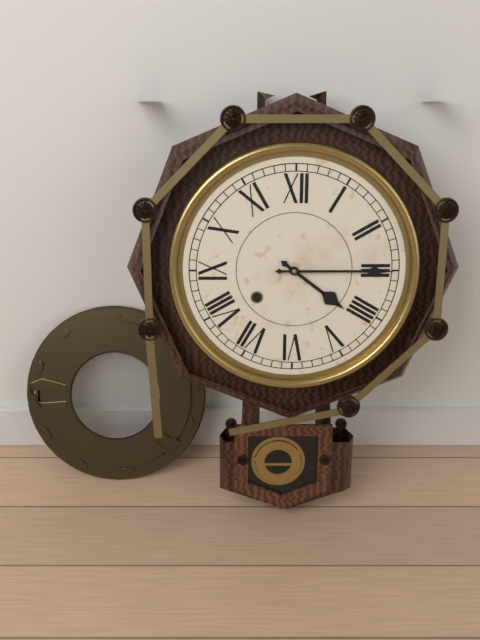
4:15
